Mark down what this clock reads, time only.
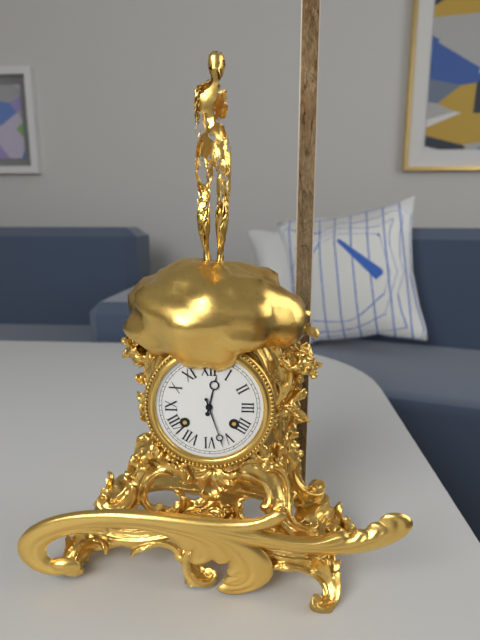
12:27
